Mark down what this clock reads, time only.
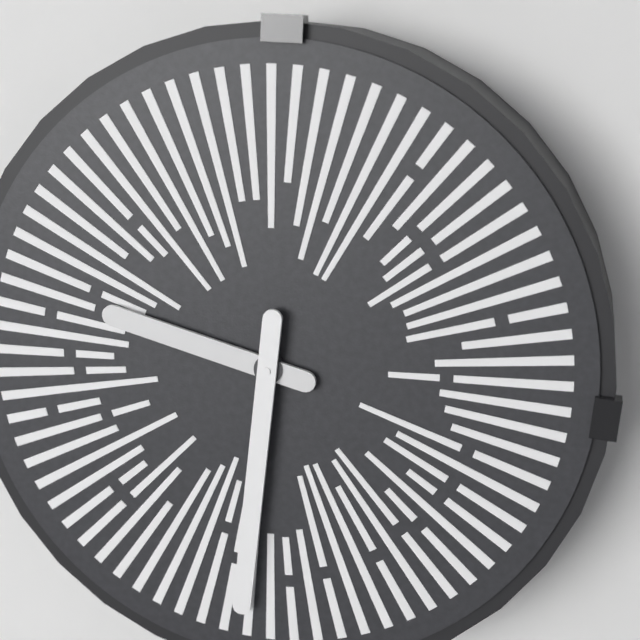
9:31
